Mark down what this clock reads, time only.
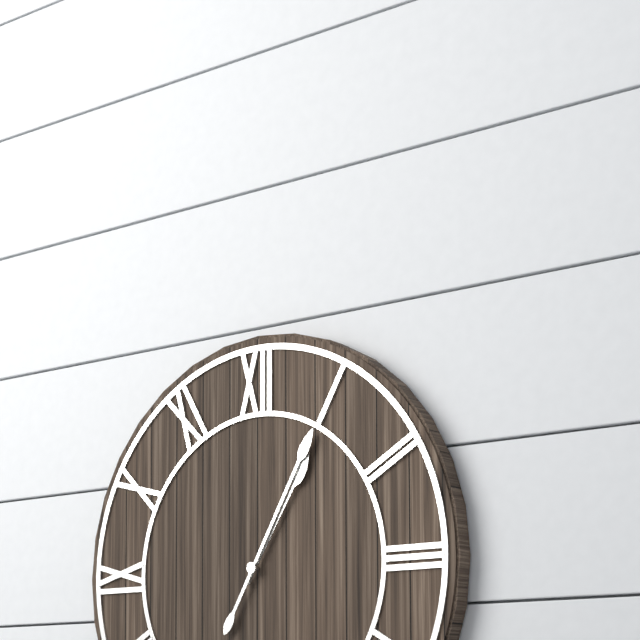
1:05
